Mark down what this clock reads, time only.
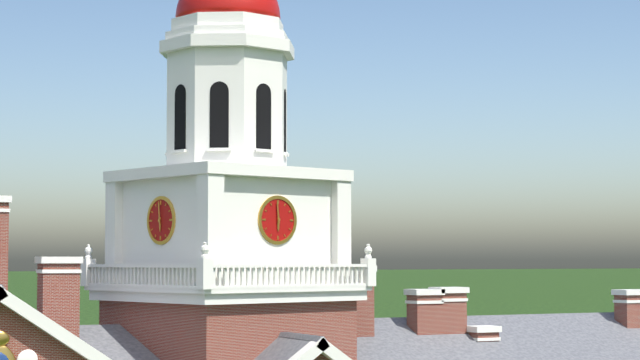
5:59
